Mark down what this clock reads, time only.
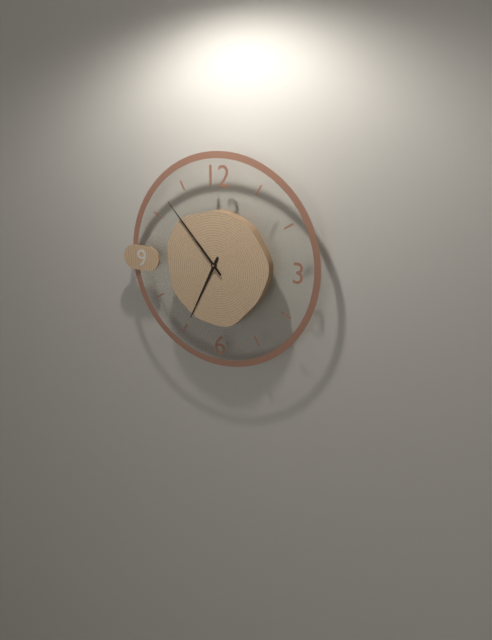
6:53
